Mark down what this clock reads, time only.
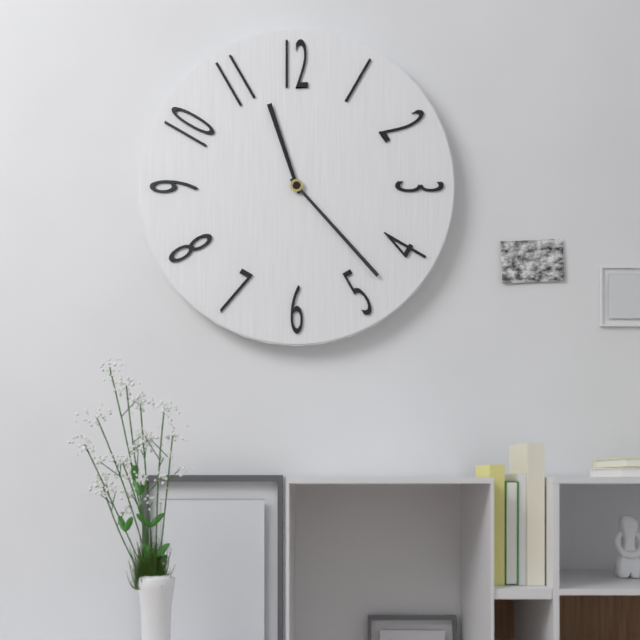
11:23
